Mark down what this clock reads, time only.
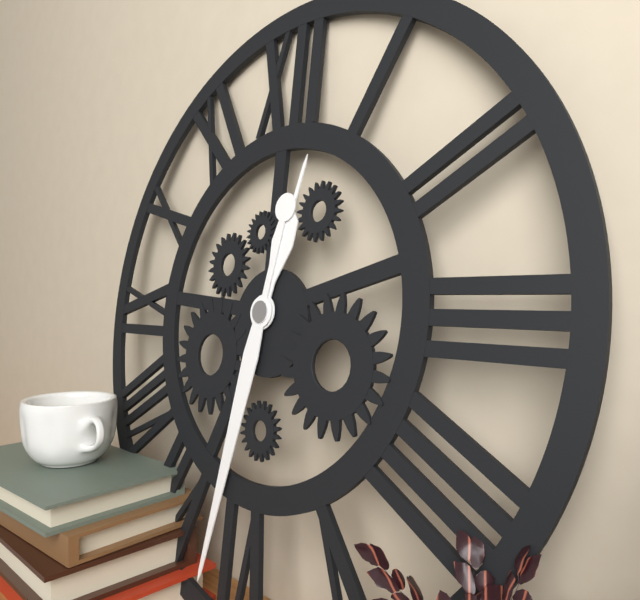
12:32
